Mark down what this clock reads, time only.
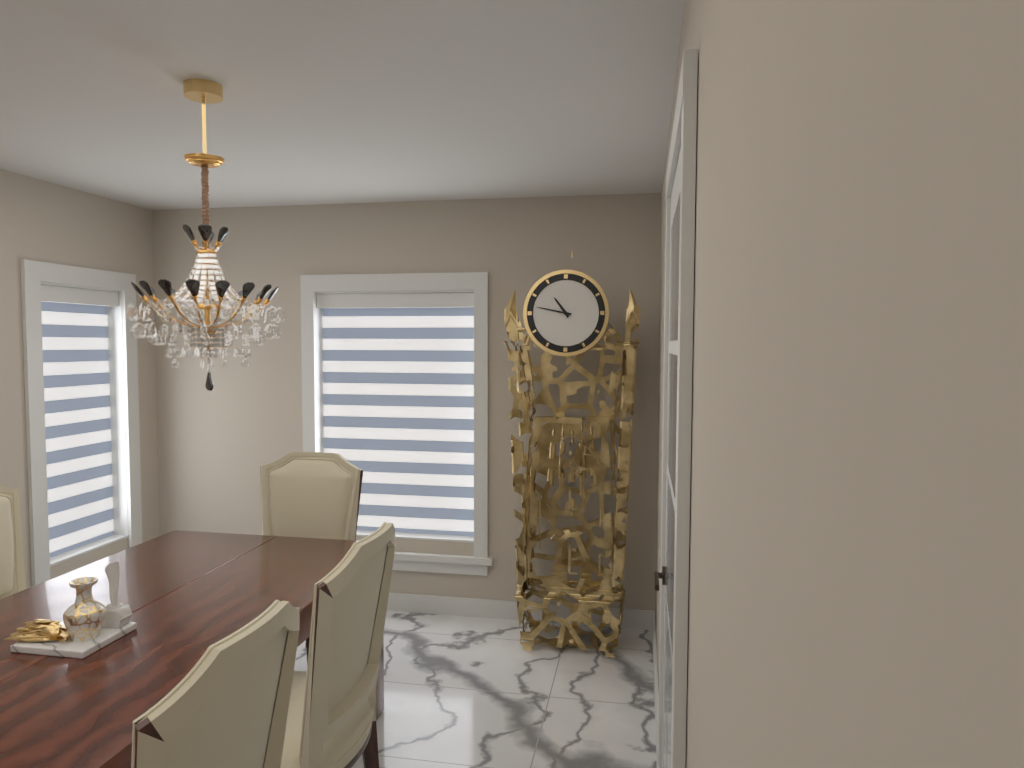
10:47
